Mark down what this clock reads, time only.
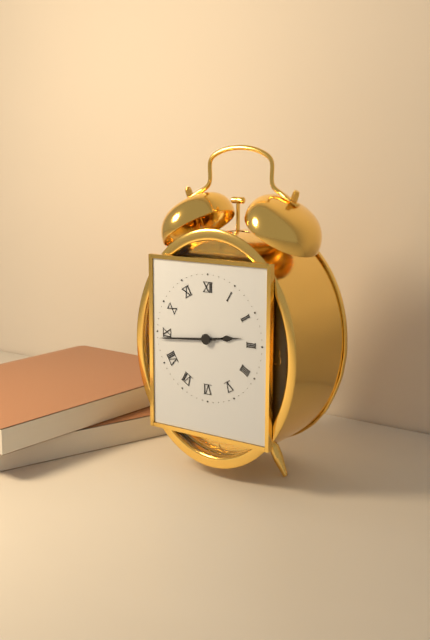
2:44
